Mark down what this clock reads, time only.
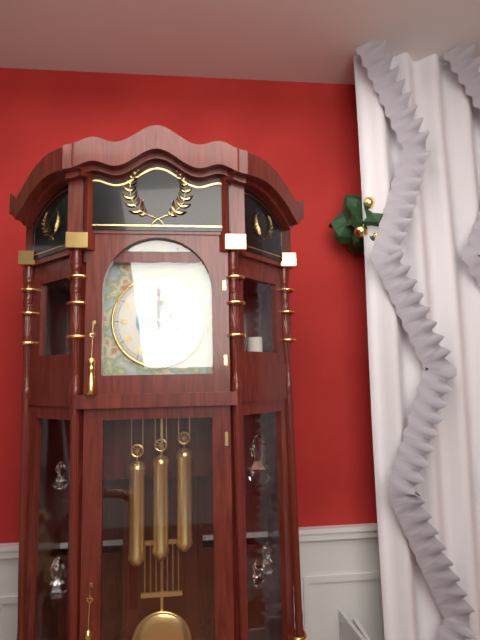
12:00
